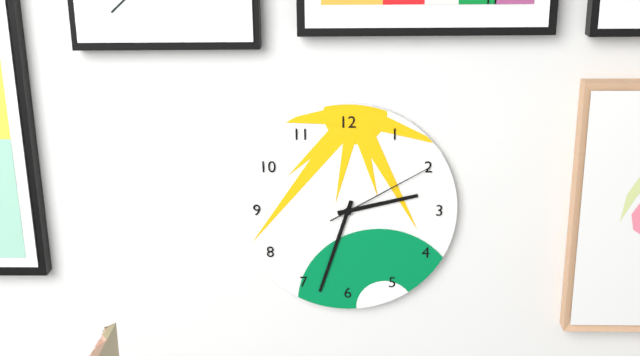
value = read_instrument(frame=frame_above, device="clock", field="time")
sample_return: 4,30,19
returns 2,33,10
